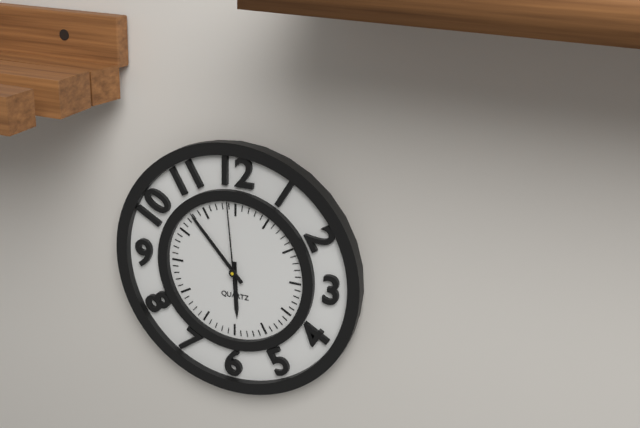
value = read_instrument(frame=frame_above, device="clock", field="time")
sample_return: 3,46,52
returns 5,53,59
